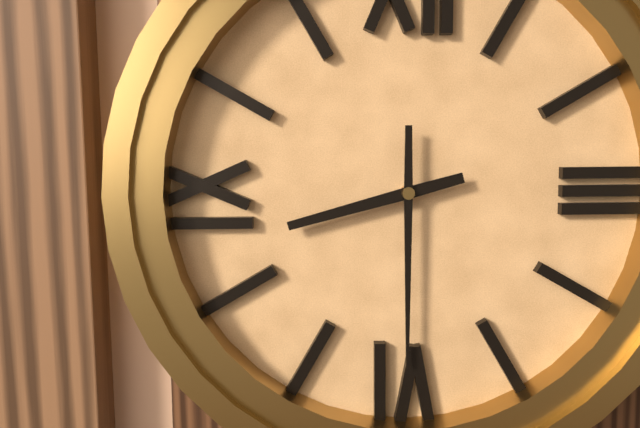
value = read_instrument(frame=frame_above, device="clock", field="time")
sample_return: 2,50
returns 8,30
